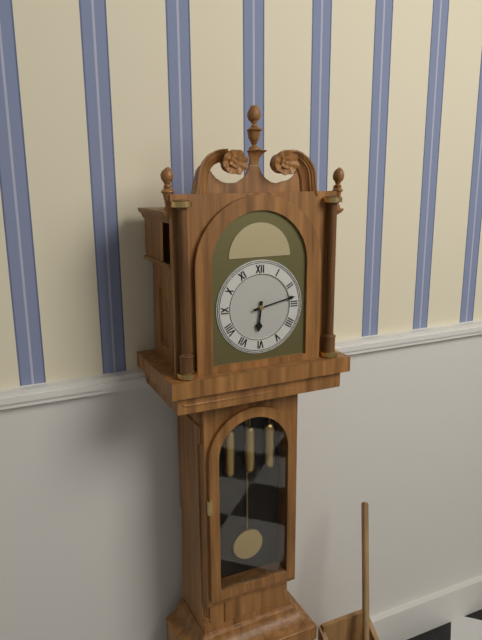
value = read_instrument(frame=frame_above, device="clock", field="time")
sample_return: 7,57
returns 6,13
